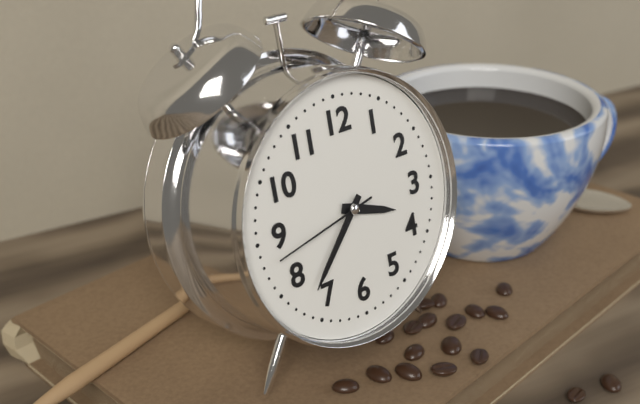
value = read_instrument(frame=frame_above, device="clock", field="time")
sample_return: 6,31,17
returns 3,37,43
